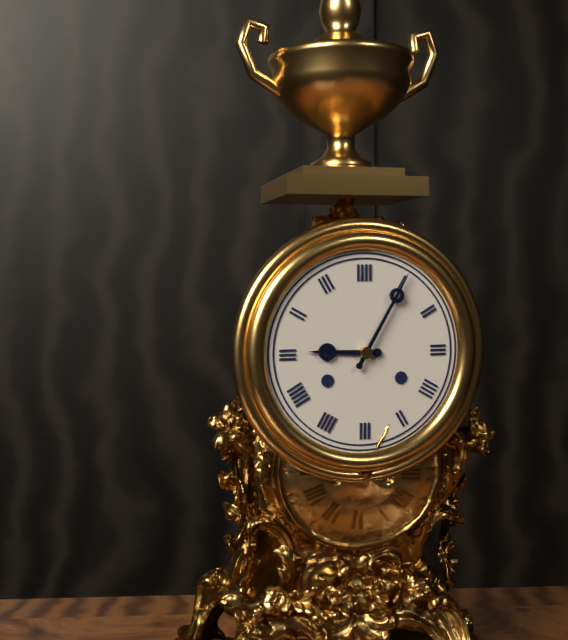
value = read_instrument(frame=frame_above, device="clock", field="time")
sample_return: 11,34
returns 9,05
